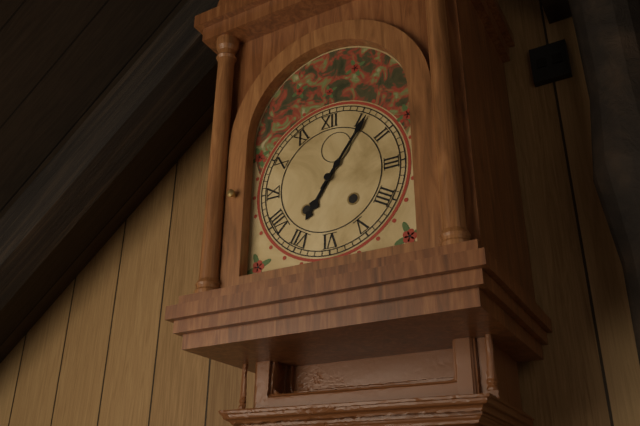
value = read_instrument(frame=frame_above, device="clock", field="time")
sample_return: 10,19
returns 7,06
